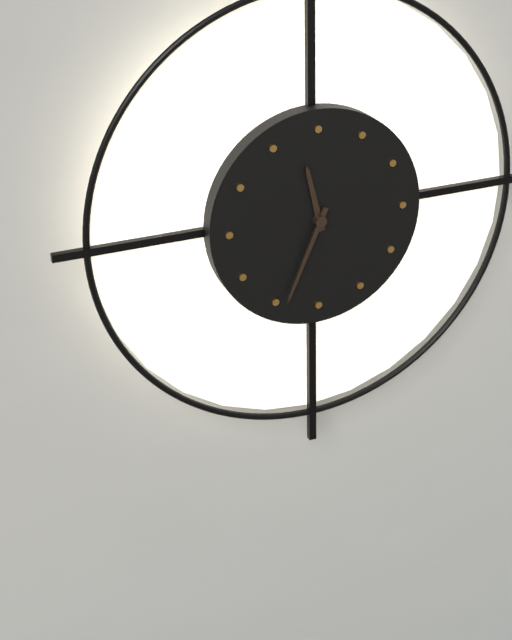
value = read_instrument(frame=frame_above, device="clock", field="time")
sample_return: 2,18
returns 11,34
